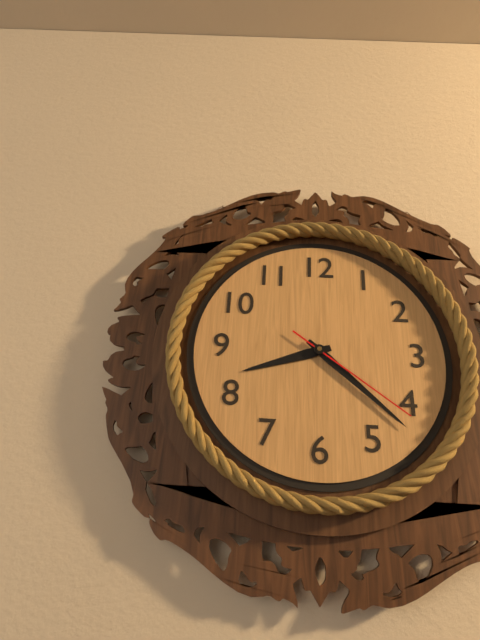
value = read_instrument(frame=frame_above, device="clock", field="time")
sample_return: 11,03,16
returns 8,22,21
